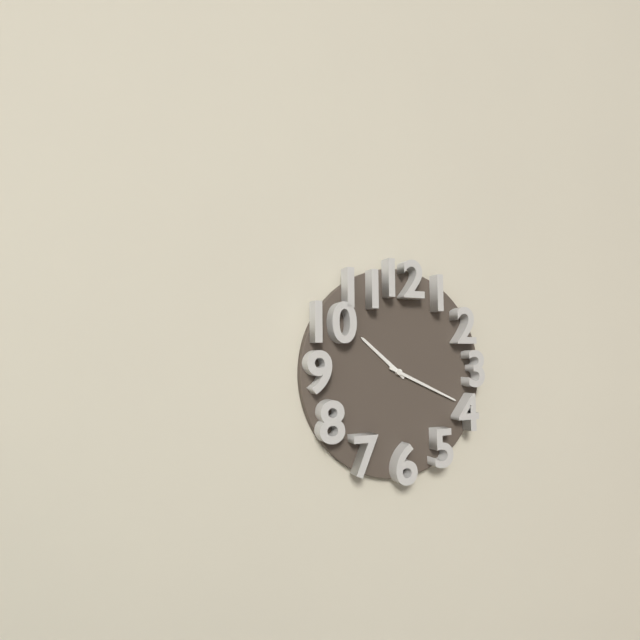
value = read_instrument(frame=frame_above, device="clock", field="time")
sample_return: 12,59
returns 10,19
